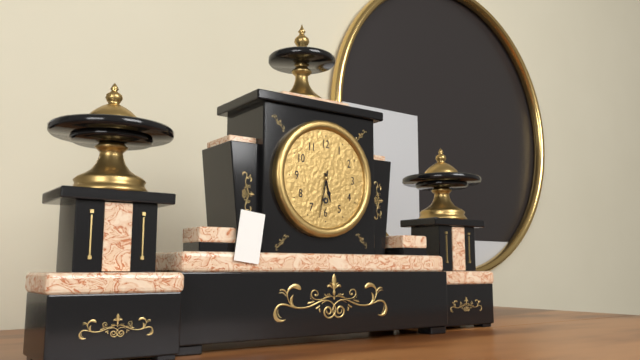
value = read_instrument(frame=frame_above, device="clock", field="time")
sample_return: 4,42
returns 5,32
